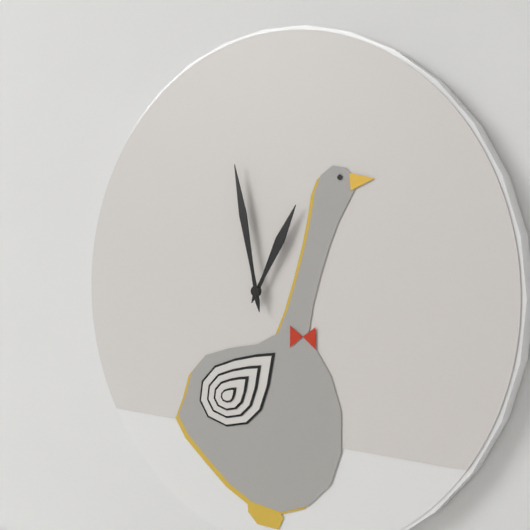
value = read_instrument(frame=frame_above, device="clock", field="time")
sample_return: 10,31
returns 12,58
